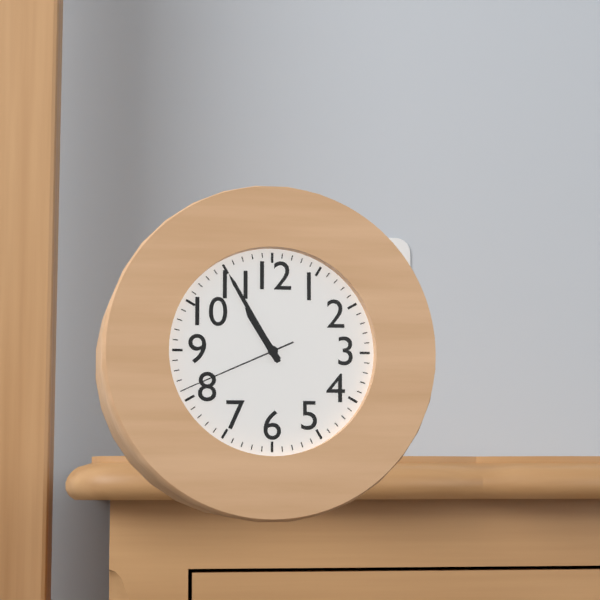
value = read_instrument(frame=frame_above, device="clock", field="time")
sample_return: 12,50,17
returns 10,55,41
